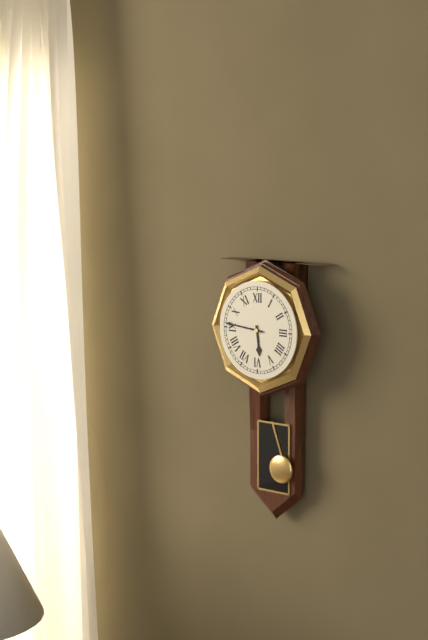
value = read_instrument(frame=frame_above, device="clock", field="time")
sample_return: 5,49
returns 5,46
